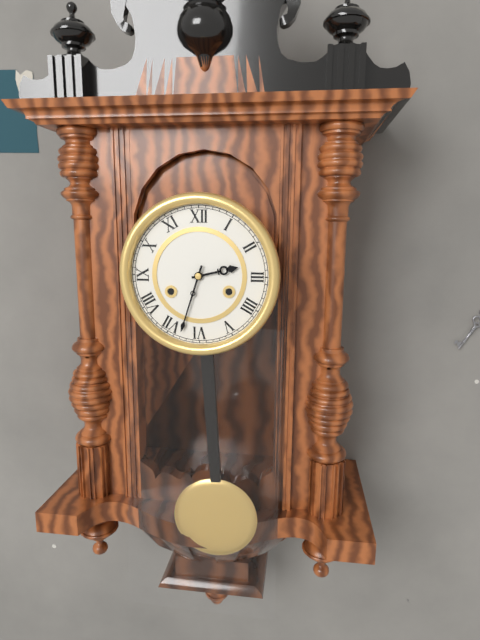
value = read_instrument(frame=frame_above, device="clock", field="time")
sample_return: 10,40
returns 2,33
